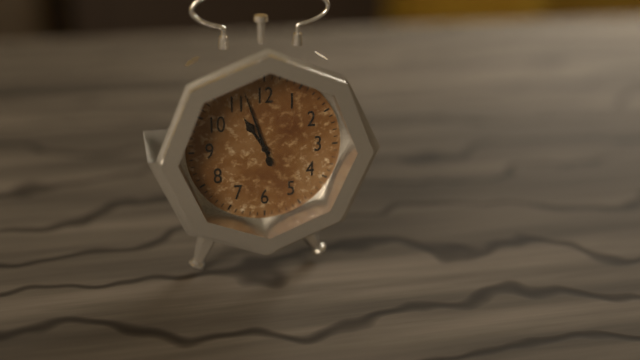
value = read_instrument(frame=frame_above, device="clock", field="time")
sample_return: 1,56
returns 10,57
